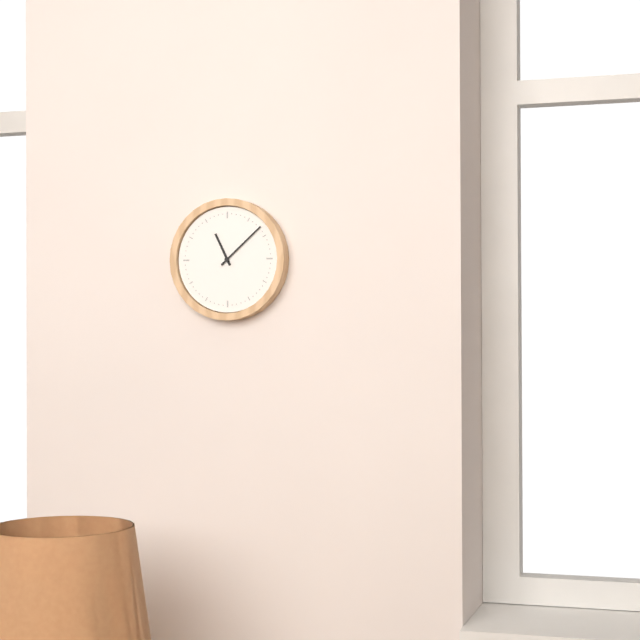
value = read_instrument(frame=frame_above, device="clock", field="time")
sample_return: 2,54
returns 11,08
